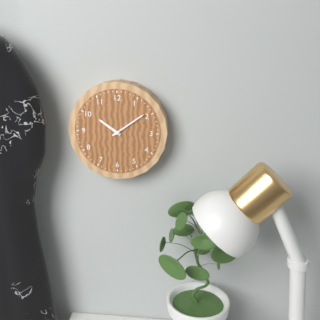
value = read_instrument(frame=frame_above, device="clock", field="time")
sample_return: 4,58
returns 10,09
